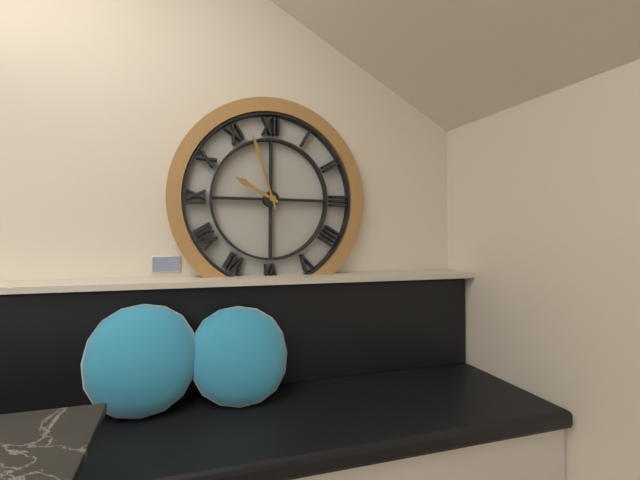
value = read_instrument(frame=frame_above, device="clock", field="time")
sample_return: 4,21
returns 9,57
